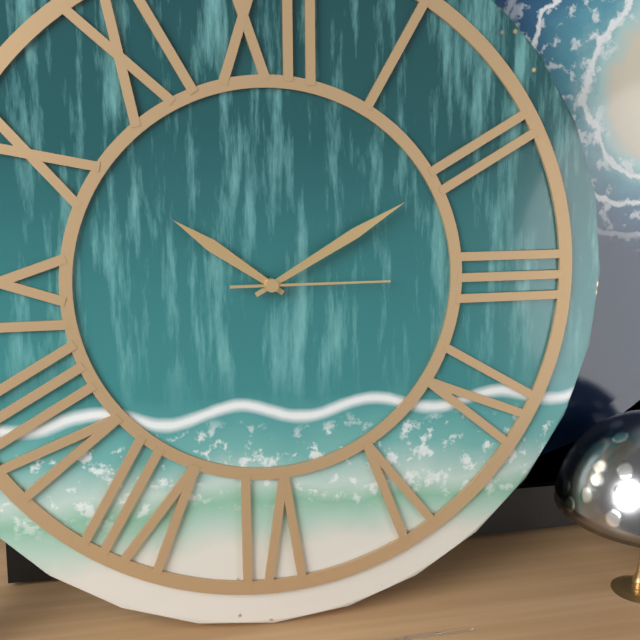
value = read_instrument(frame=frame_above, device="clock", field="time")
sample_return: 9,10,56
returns 10,10,15
